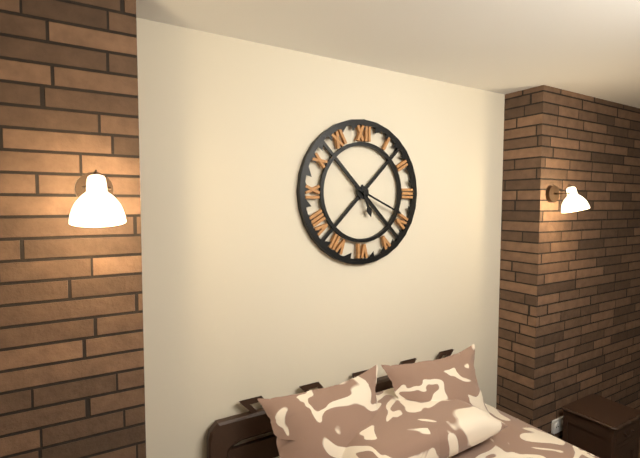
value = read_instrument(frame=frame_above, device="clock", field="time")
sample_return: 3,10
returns 5,19
